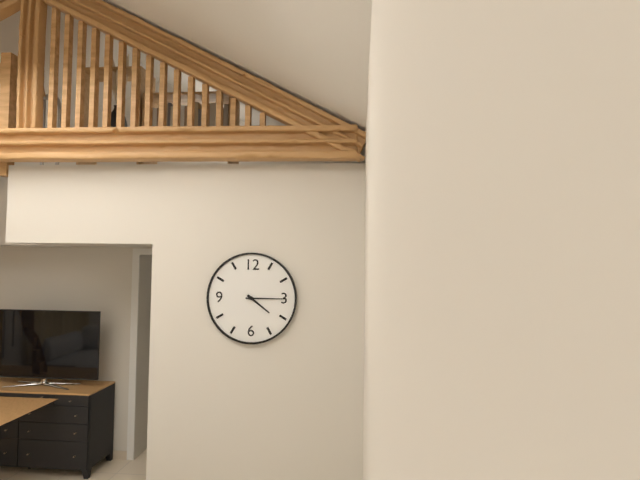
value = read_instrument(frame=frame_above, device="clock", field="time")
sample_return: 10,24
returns 4,15
